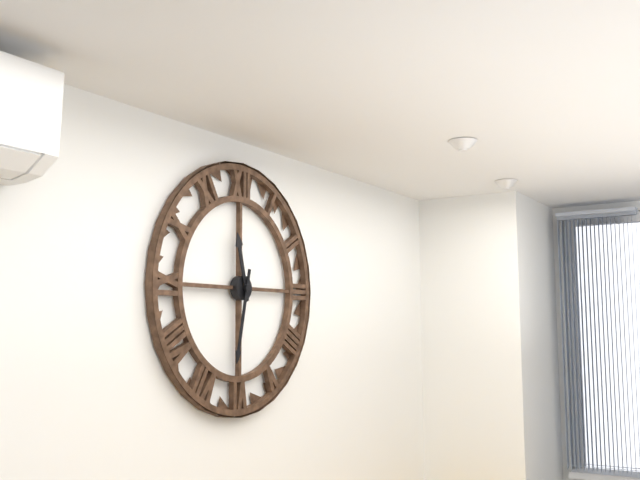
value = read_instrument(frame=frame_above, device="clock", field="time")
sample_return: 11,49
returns 11,32
